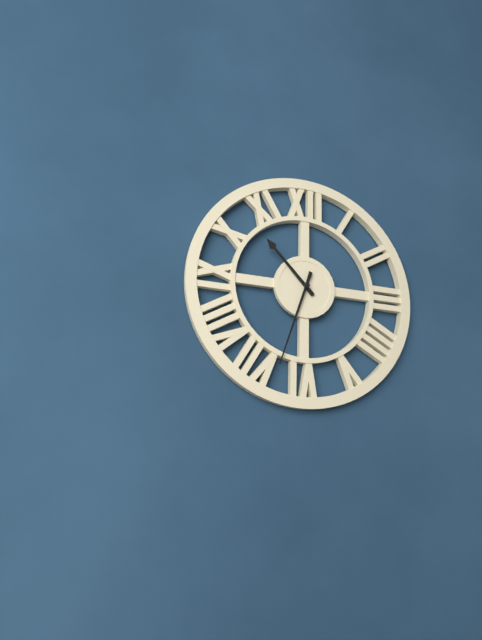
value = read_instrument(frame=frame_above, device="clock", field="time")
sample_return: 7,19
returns 10,33
